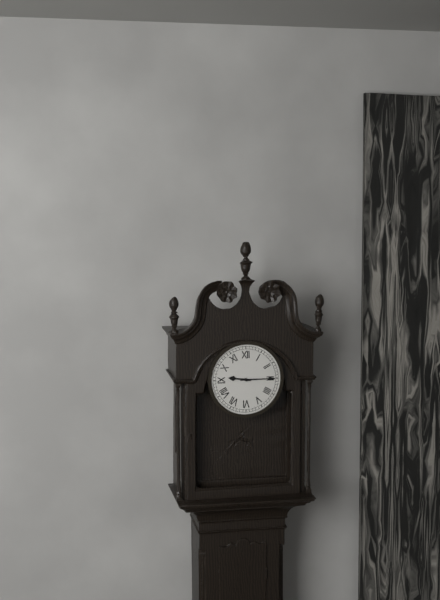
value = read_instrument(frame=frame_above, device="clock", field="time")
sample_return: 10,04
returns 9,15
